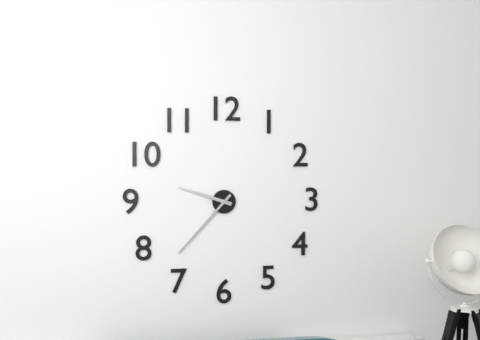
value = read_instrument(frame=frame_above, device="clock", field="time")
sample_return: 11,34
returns 9,37
